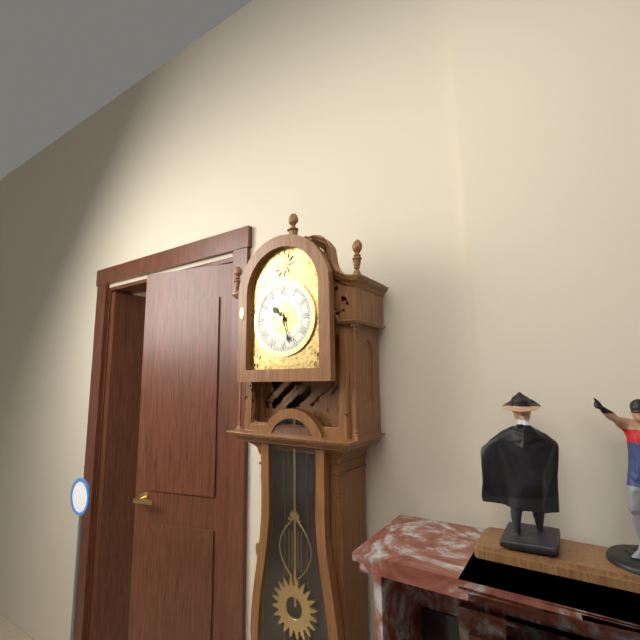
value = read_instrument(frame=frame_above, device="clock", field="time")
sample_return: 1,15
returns 10,27
